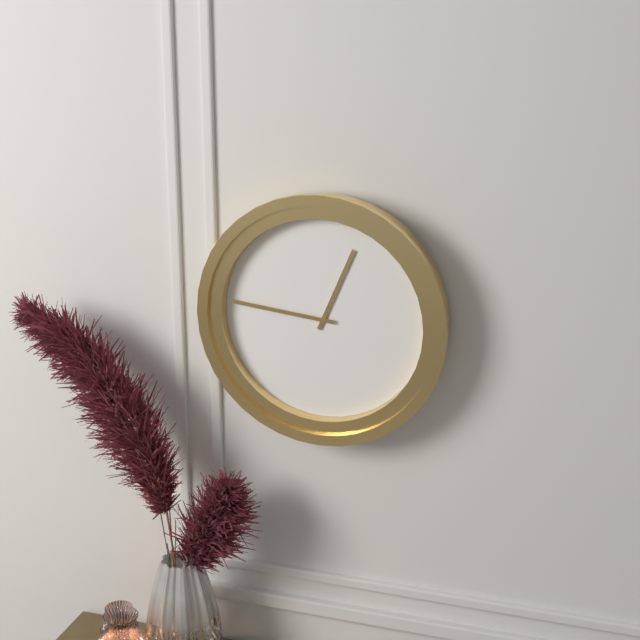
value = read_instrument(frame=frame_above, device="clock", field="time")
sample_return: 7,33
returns 12,46
